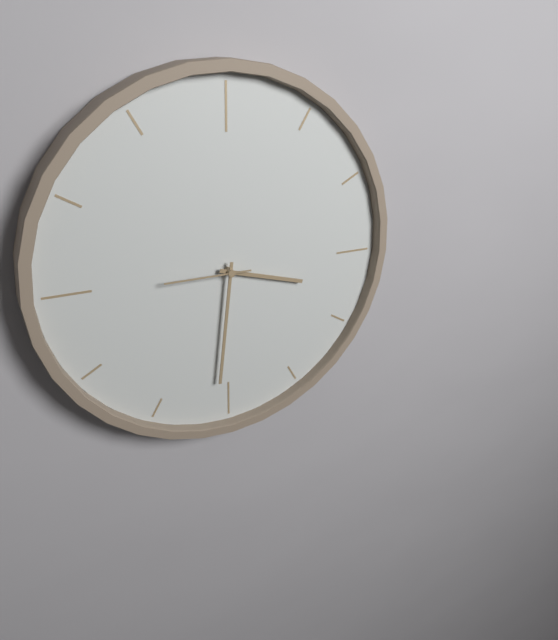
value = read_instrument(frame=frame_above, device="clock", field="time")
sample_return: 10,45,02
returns 3,31,45
